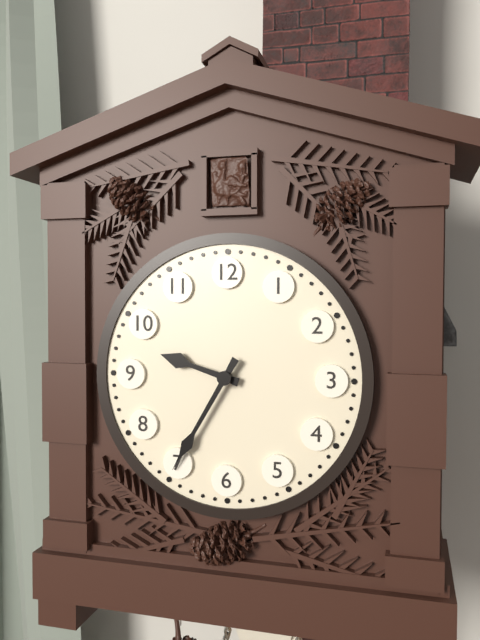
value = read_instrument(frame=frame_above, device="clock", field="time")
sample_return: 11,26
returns 9,35
